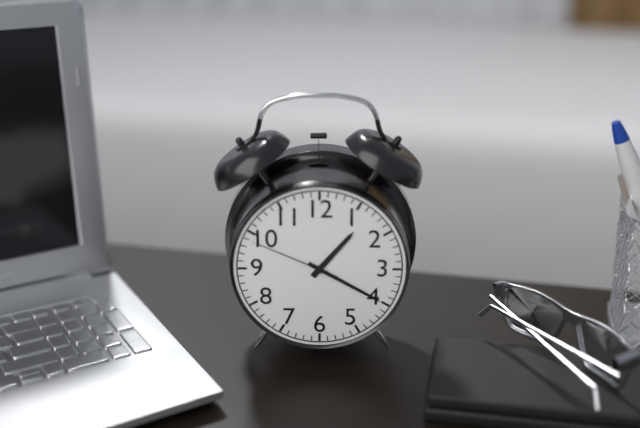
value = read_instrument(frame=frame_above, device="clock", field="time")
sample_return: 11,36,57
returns 1,20,49
